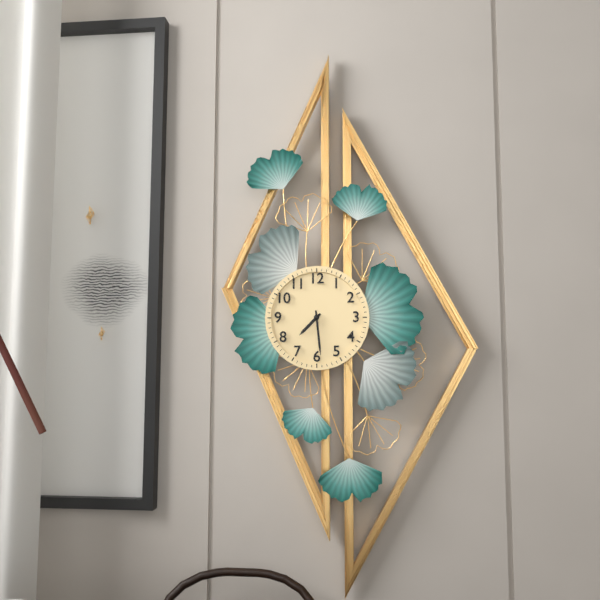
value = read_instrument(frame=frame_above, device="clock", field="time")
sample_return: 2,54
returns 7,29
